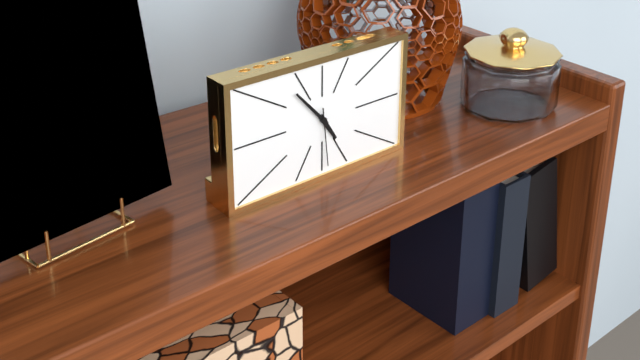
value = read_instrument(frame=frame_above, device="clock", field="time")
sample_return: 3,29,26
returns 4,53,29
